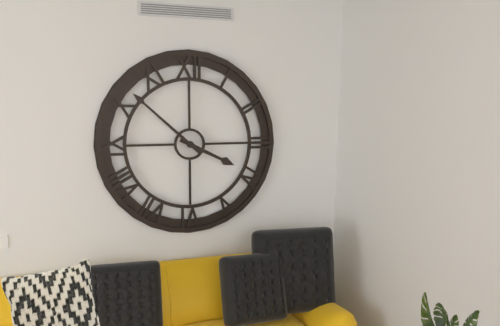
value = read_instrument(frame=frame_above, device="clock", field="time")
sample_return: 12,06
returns 3,52
